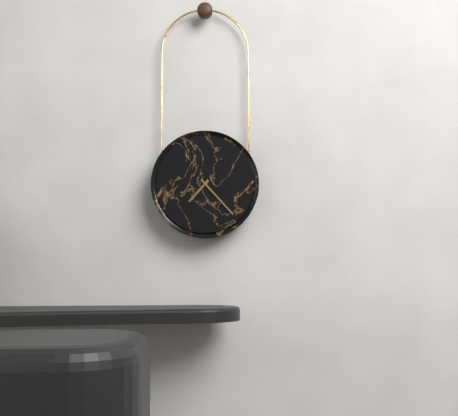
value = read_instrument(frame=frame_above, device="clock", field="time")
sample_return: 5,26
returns 7,23
